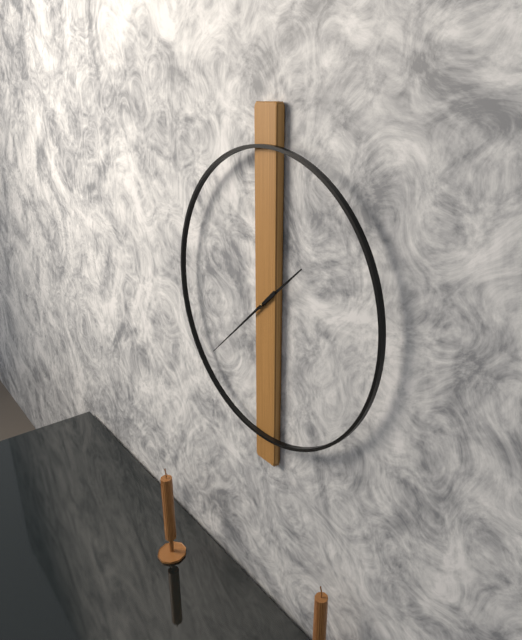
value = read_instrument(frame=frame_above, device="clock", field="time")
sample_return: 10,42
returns 1,38
